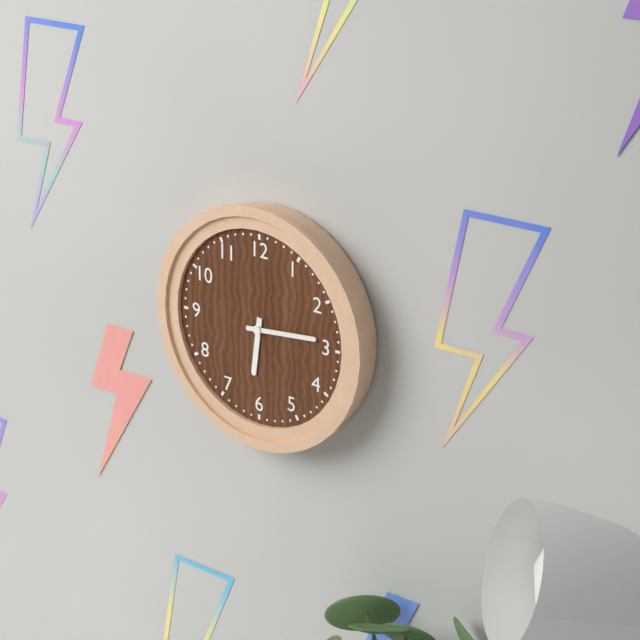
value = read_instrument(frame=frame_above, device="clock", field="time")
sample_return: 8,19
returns 6,14
